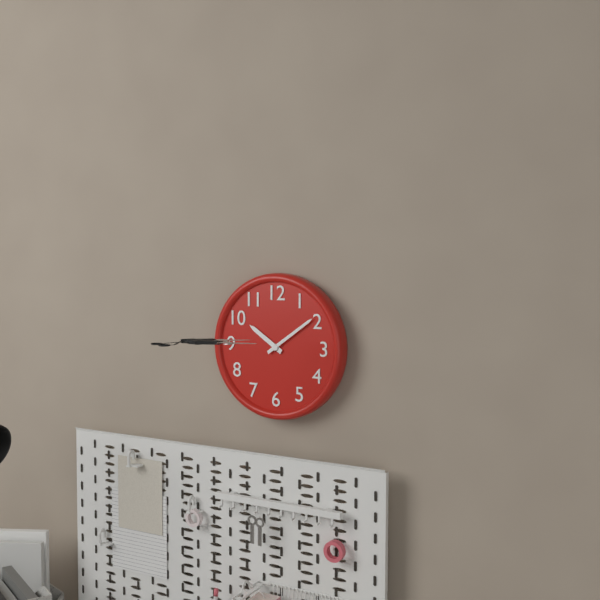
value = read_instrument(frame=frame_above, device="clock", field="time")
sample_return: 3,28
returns 10,09
